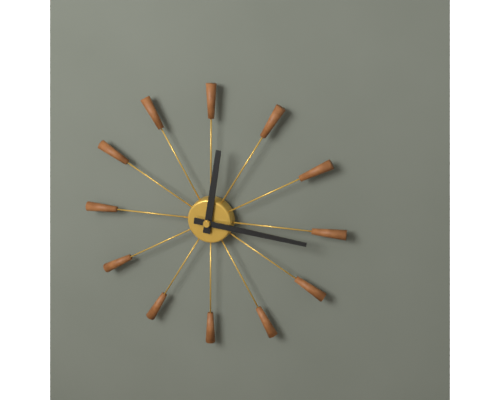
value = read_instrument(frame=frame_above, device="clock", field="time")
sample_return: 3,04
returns 12,16
